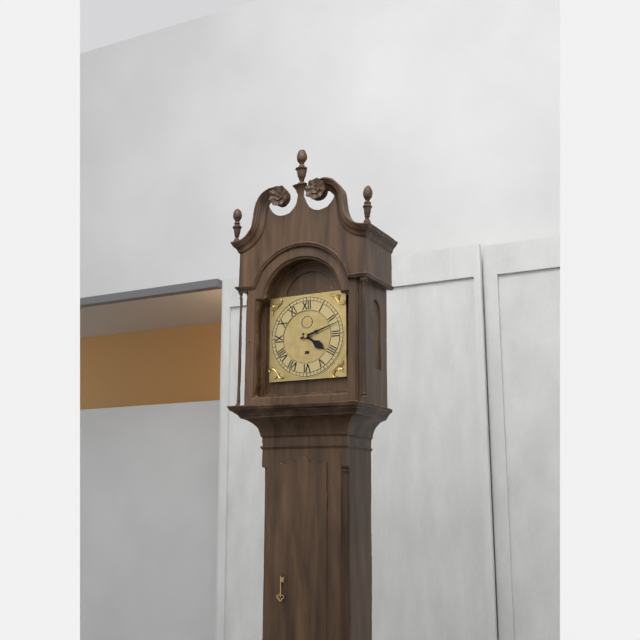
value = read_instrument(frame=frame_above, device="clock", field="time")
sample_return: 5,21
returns 4,12
